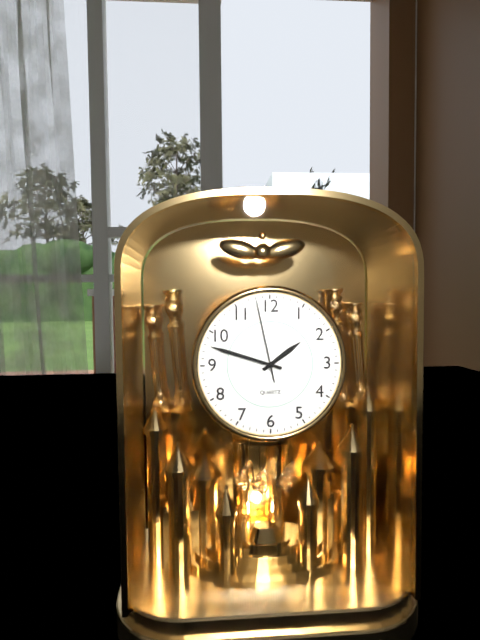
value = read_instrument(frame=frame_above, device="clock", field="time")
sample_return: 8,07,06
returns 1,48,58
